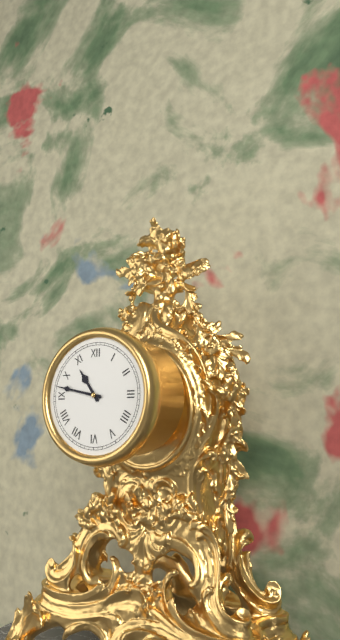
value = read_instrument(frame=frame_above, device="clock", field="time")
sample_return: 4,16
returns 10,47
